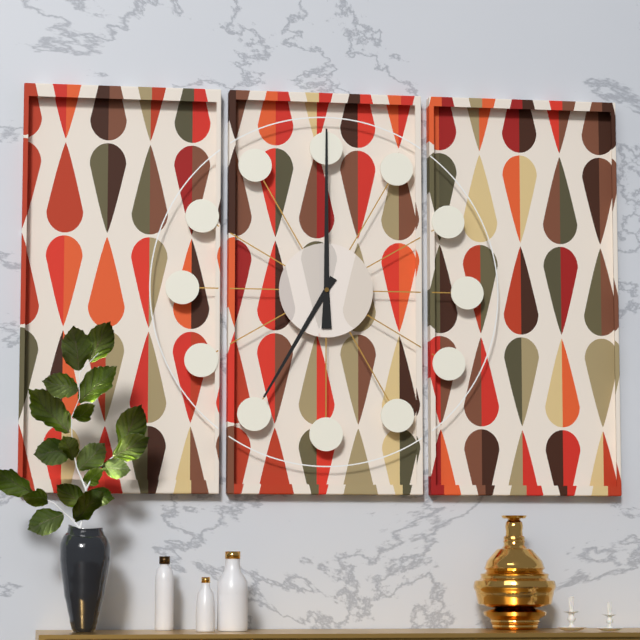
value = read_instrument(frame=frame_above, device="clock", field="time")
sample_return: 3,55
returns 7,00
